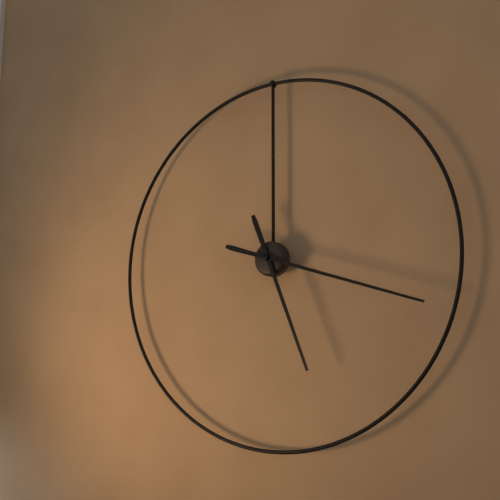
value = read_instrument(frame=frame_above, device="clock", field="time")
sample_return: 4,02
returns 5,18
